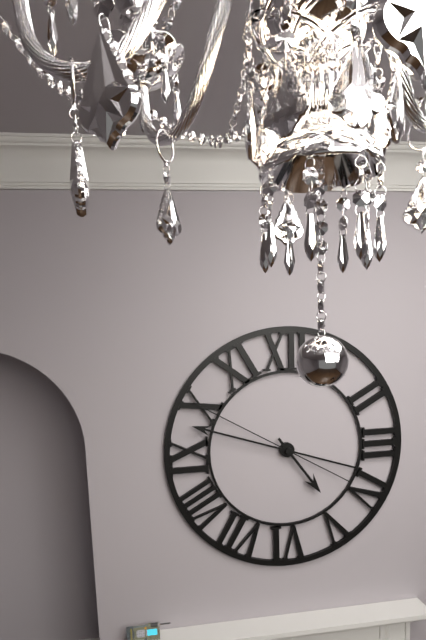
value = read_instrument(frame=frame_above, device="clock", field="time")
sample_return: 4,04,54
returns 4,48,50
